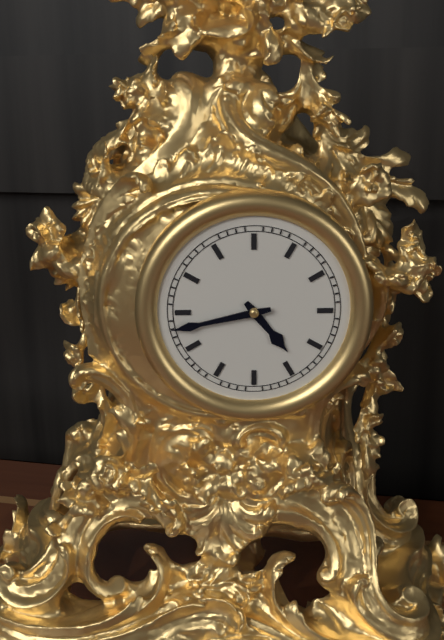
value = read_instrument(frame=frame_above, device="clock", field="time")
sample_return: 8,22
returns 4,43
